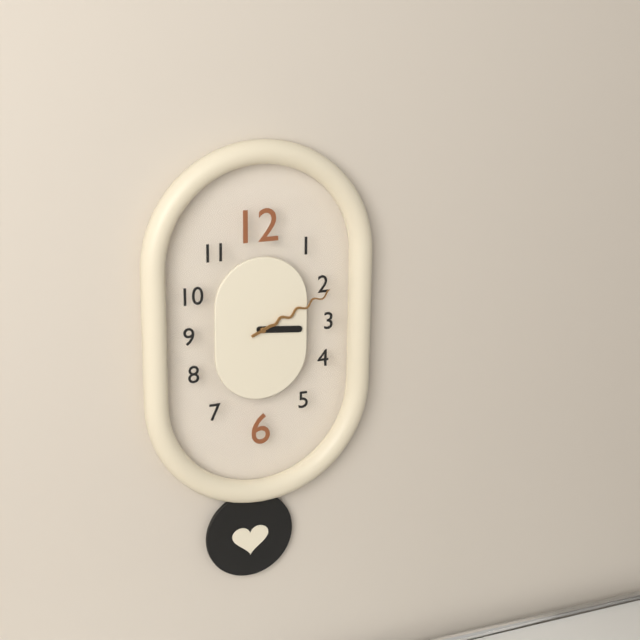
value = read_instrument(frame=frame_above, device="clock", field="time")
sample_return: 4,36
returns 3,11
